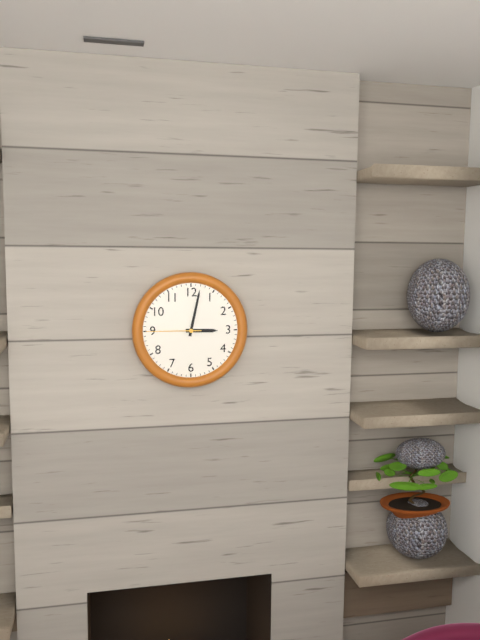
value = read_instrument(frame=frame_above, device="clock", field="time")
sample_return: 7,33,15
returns 3,02,45
